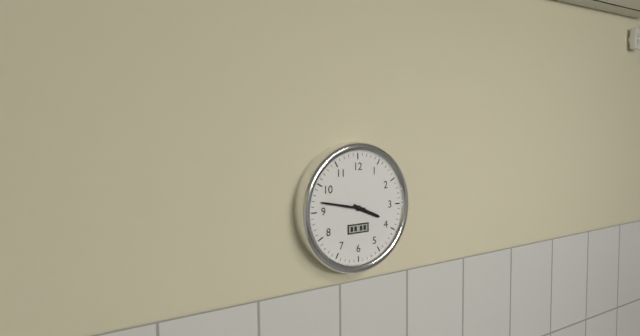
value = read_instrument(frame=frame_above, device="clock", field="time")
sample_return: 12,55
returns 3,47
